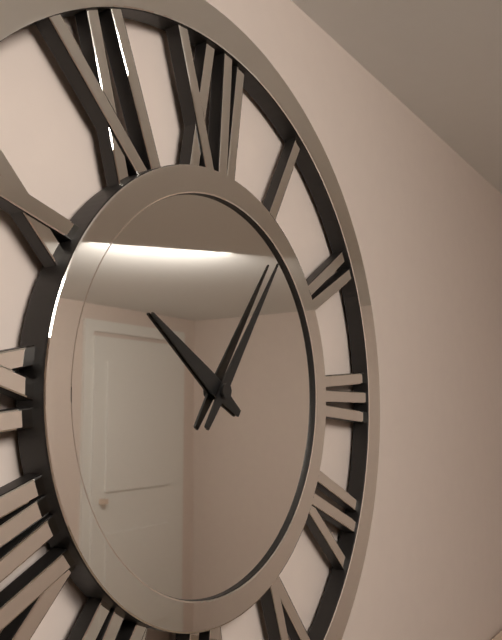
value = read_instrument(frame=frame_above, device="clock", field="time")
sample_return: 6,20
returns 10,06
